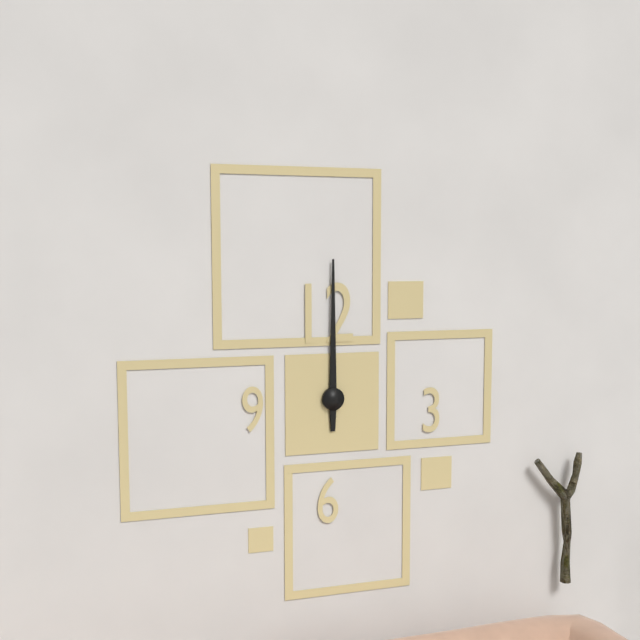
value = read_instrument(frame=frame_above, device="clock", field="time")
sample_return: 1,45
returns 12,00
